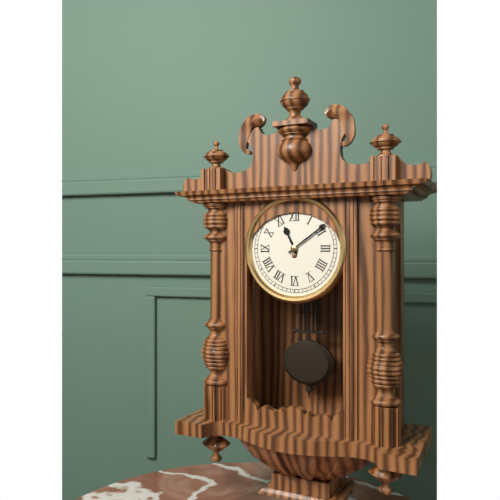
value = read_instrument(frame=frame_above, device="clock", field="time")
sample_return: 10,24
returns 11,09
